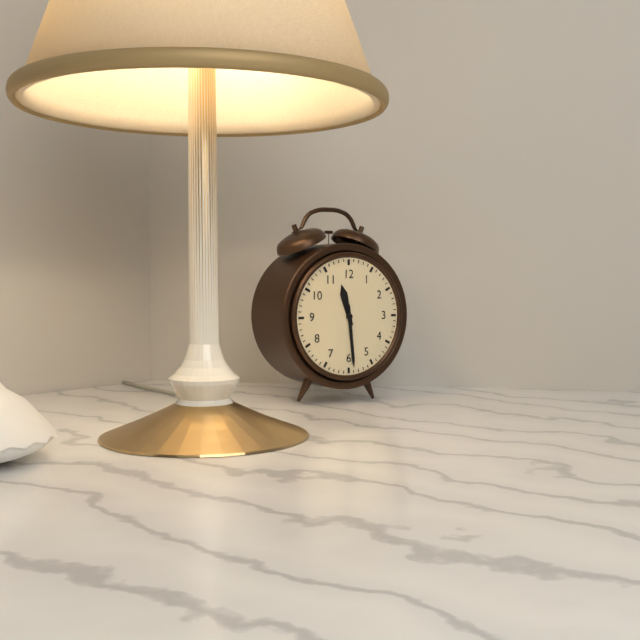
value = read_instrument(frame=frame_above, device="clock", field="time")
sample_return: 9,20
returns 11,29
